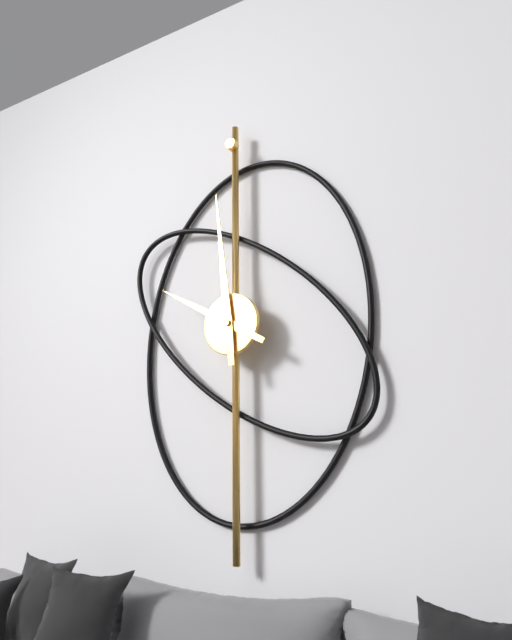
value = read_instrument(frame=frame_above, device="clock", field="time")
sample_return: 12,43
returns 9,59
